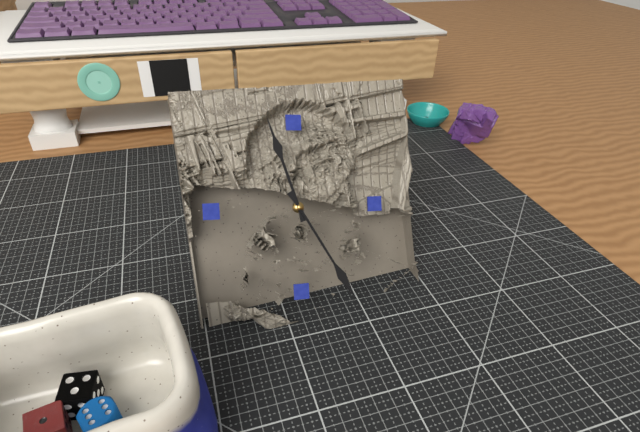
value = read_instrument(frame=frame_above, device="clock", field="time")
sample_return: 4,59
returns 11,25
